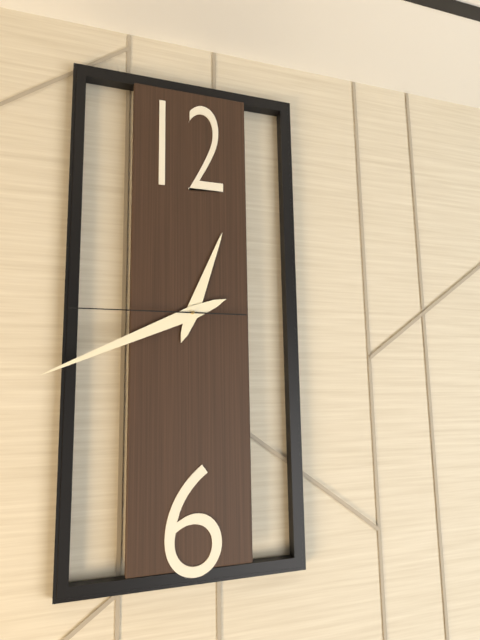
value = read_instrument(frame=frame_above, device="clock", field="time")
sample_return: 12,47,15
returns 12,41,45
